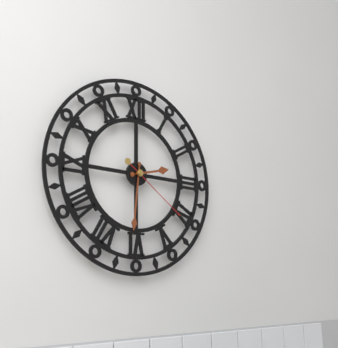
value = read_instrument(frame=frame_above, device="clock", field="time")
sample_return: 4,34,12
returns 2,31,21
